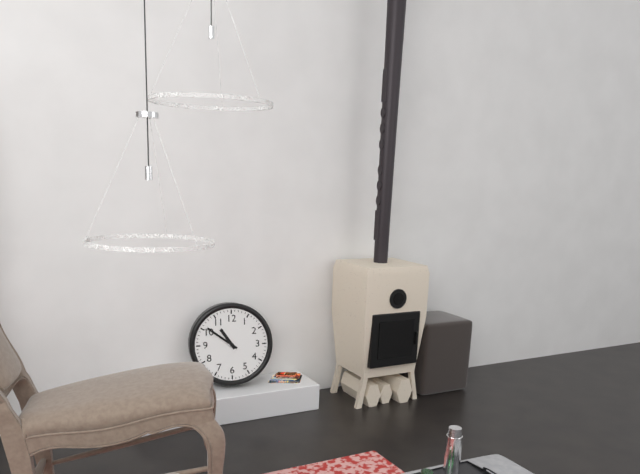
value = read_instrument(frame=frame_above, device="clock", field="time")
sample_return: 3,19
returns 10,51
